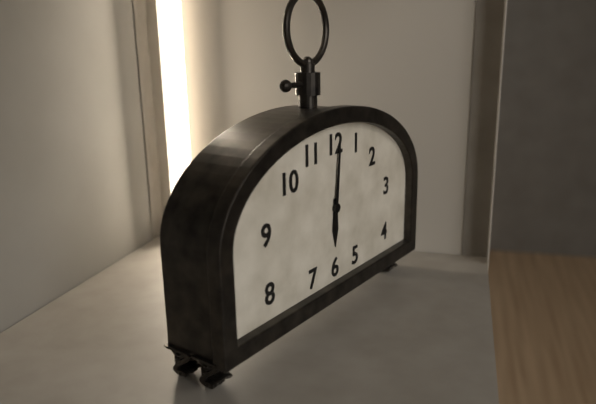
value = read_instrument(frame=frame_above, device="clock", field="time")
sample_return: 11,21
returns 6,01
